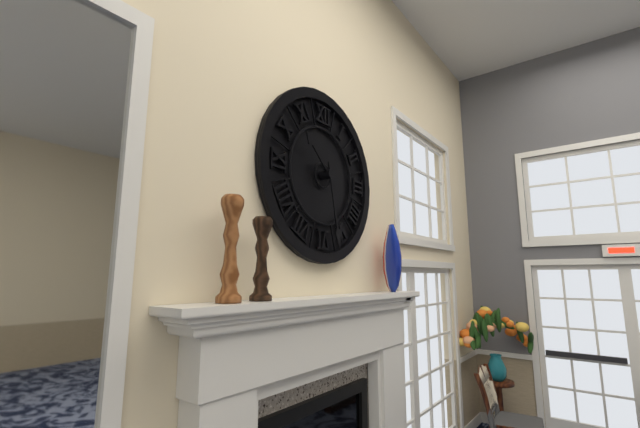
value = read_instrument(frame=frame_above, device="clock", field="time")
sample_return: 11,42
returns 10,28
